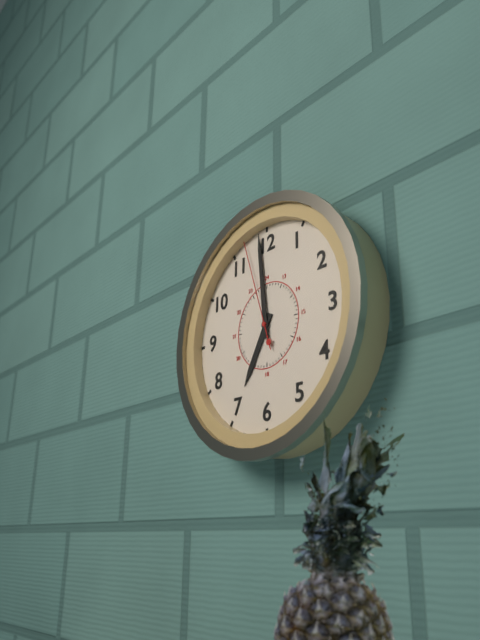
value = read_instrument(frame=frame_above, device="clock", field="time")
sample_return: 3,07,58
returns 6,59,57
